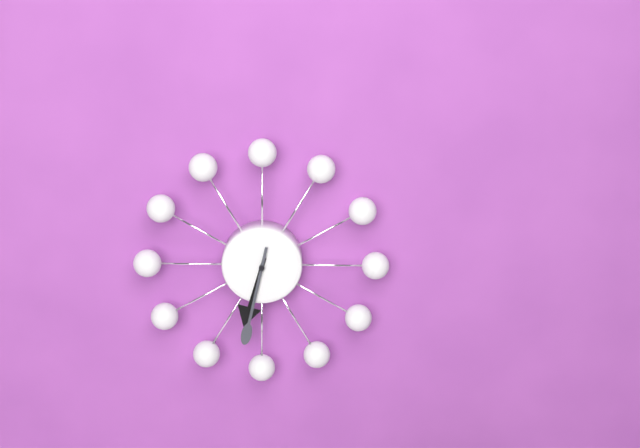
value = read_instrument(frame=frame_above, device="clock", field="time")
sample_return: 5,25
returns 6,32
